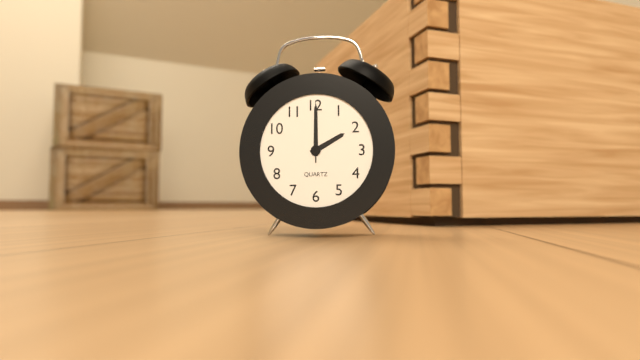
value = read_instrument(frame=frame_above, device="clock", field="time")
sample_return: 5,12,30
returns 2,00,00
